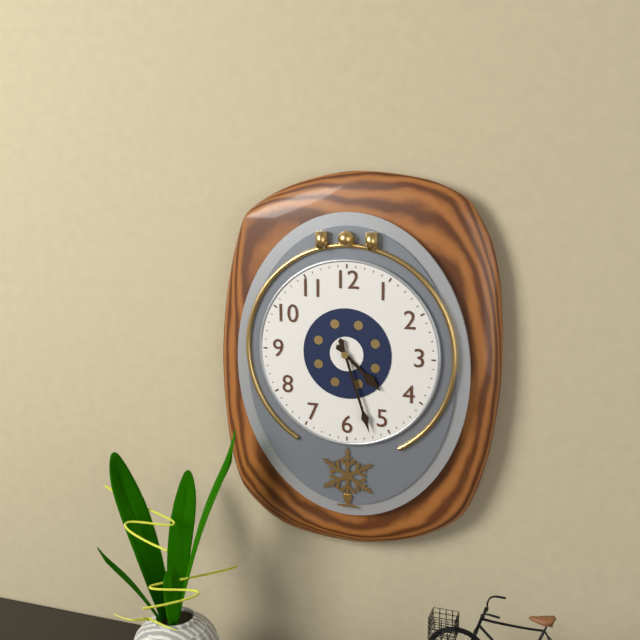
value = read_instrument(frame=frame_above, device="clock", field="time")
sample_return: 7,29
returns 4,27
